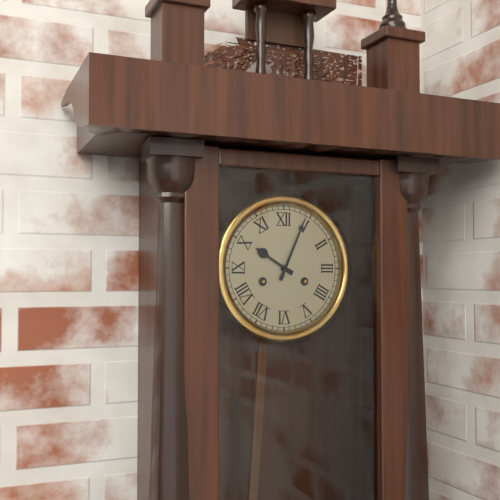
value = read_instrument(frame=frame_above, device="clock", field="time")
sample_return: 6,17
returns 10,04
